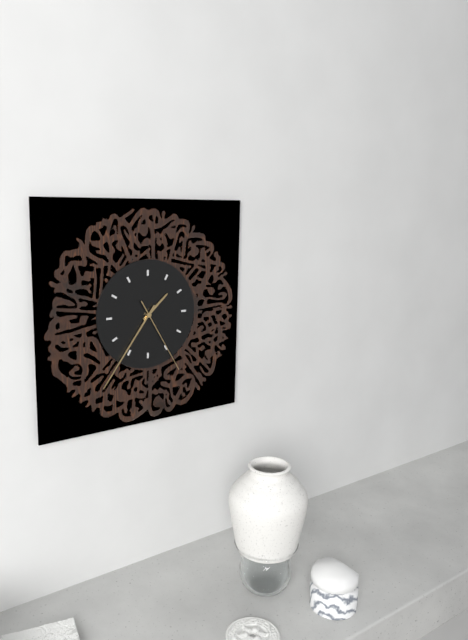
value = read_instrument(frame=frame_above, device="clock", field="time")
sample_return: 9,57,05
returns 1,36,25
